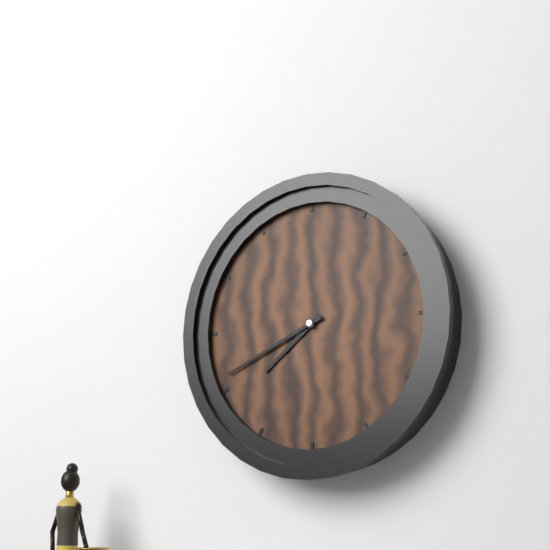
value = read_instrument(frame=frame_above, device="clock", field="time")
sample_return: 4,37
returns 7,41
